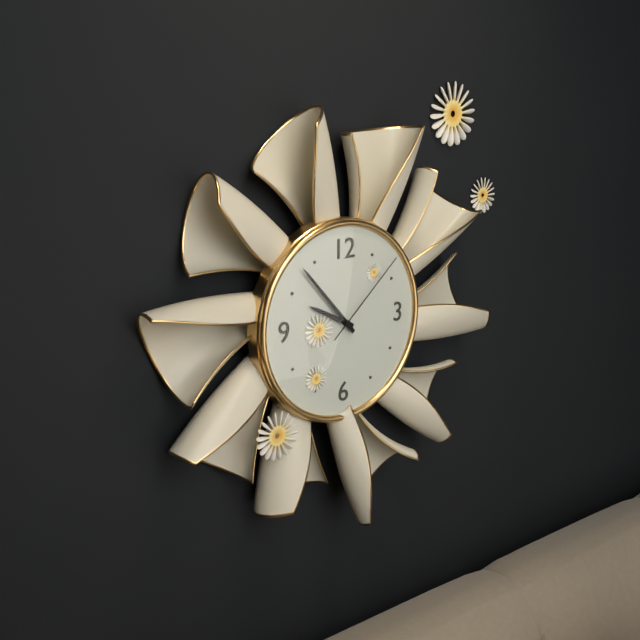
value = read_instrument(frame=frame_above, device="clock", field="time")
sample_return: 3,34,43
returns 9,53,08
